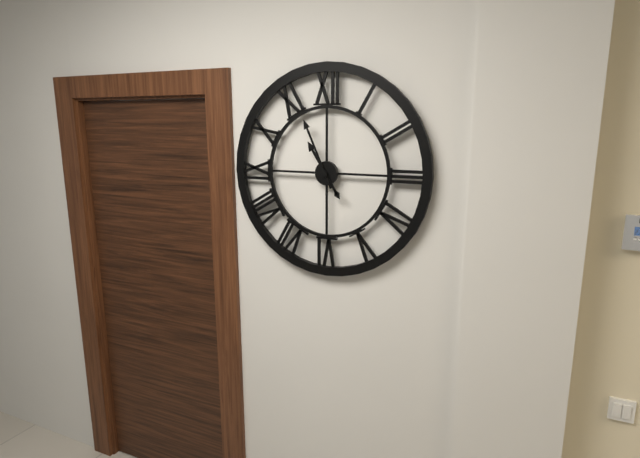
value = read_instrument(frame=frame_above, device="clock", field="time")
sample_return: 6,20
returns 10,56
